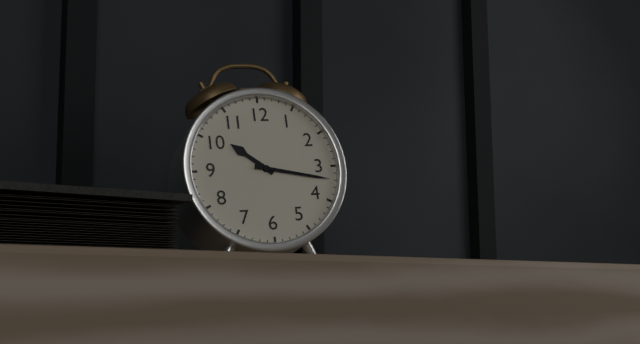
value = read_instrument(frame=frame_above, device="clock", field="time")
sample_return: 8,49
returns 10,17
